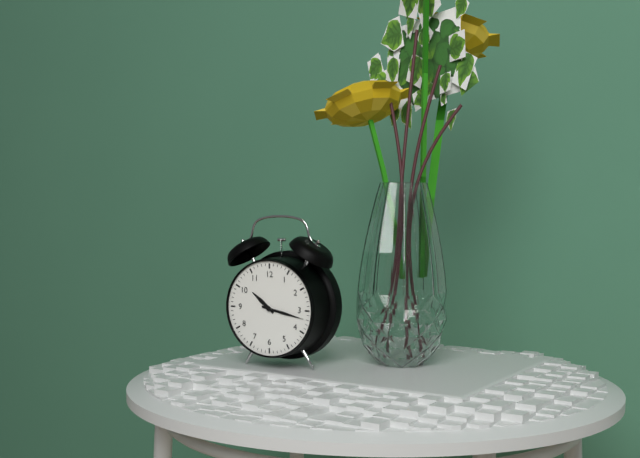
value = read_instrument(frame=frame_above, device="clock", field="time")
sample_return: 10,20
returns 10,17
